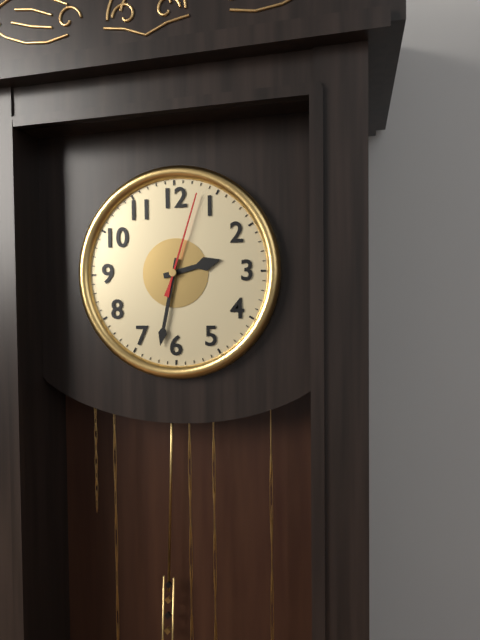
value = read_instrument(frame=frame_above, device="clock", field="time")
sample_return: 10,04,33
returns 2,32,03
